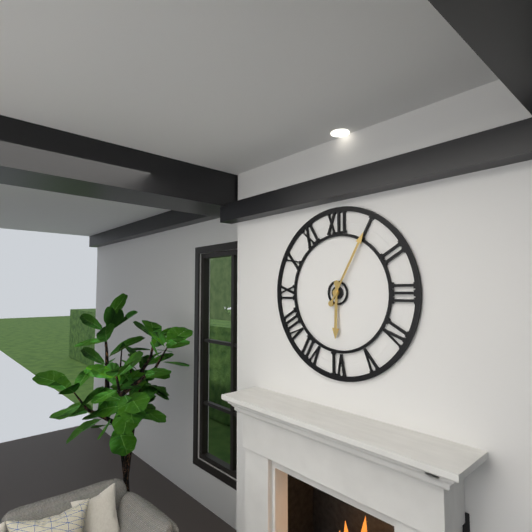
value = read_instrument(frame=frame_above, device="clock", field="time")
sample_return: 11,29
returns 6,05
